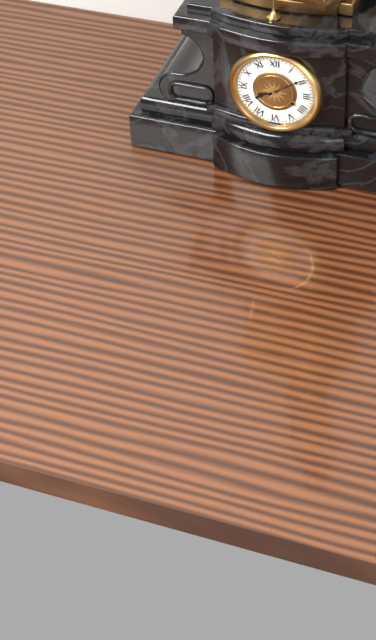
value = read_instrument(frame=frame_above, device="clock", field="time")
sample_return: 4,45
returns 8,09
